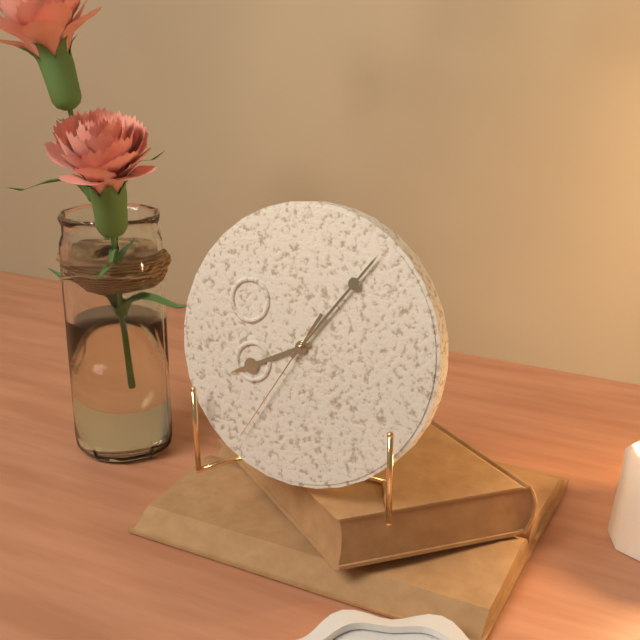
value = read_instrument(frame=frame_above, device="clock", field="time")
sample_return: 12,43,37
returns 8,06,35
